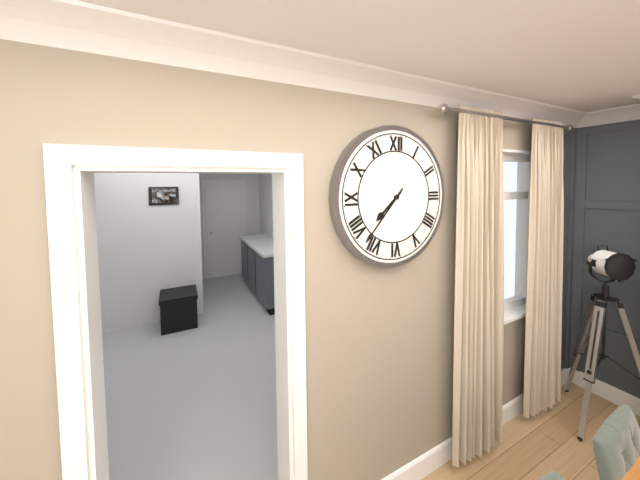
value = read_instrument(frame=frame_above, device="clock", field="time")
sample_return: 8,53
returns 7,37
